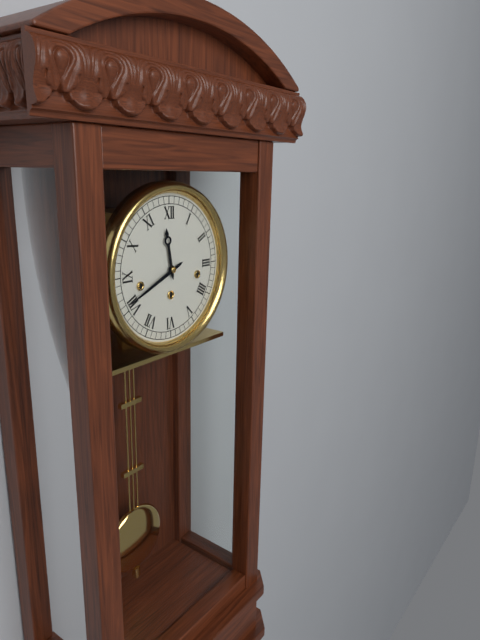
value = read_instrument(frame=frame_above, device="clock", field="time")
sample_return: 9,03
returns 11,41
